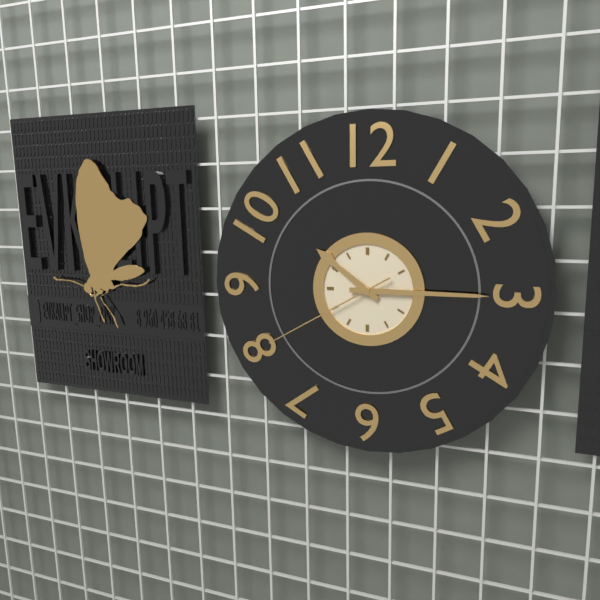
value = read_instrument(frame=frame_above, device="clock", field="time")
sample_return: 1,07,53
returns 10,15,40
